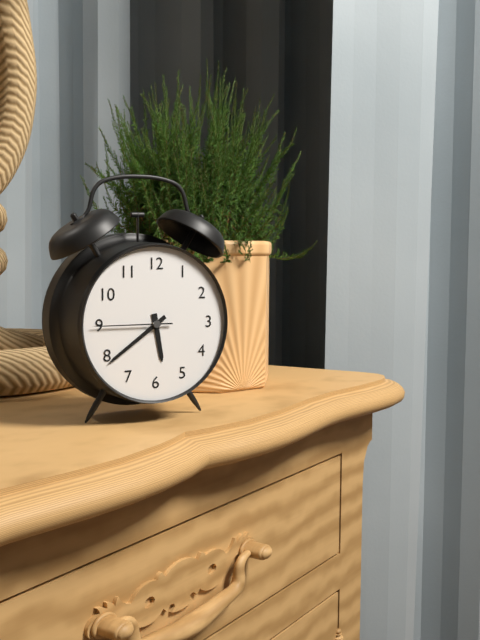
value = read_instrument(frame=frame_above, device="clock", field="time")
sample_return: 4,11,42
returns 5,39,45
